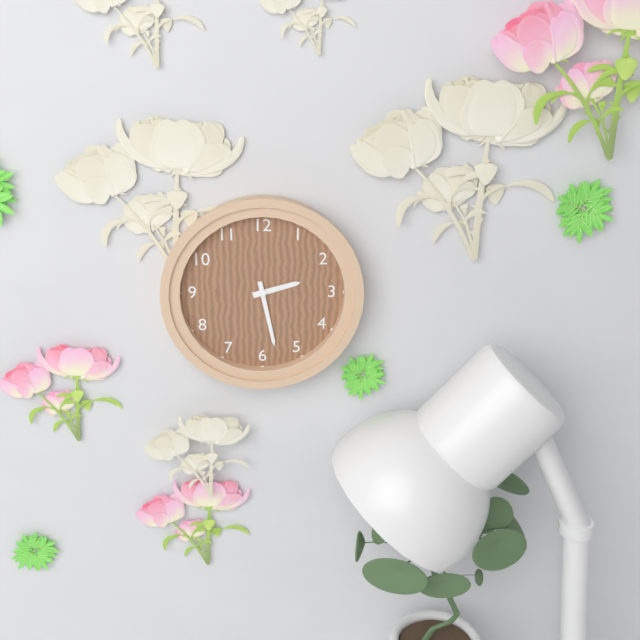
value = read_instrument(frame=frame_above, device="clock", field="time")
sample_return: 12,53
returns 2,28
